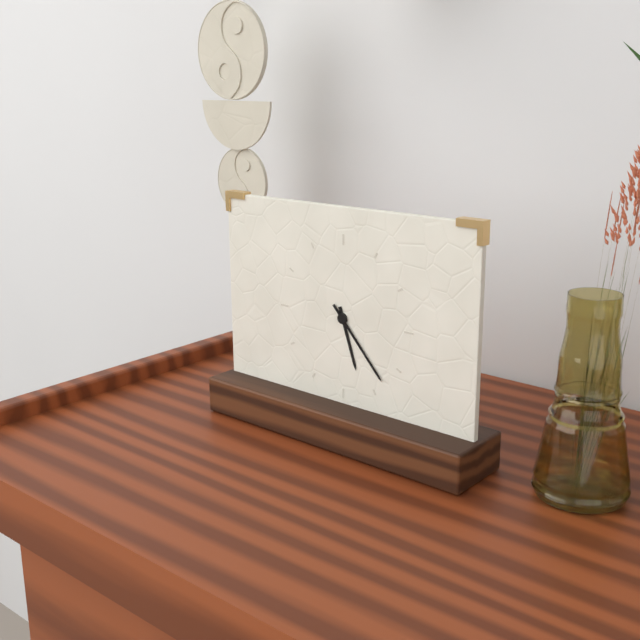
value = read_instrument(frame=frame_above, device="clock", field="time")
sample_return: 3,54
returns 5,23
